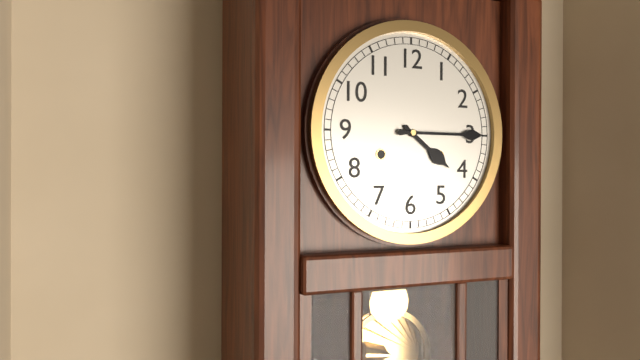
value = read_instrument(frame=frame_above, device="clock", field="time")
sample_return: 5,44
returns 4,15
